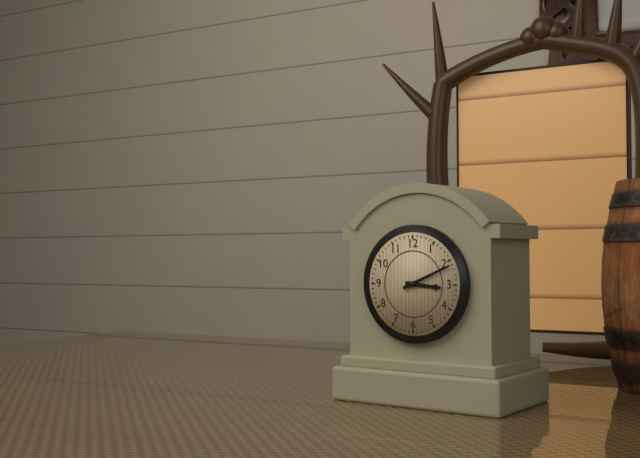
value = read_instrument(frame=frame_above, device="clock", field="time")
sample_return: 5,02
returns 3,11
